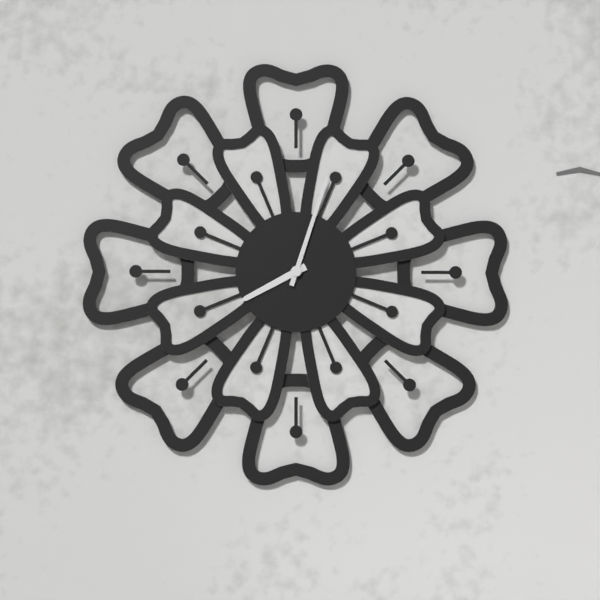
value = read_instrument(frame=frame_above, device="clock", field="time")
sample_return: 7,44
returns 8,03
